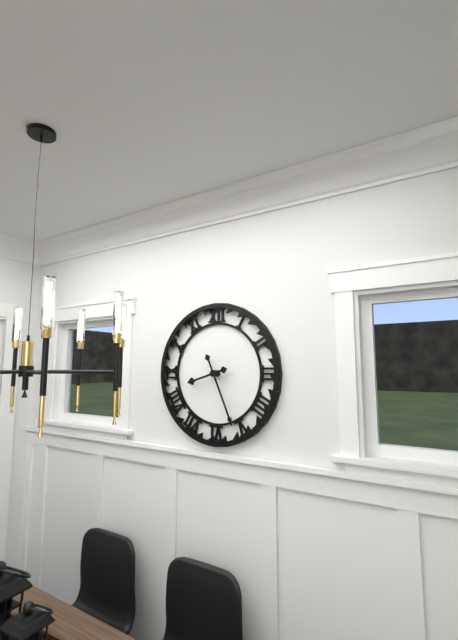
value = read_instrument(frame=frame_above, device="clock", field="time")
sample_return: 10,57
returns 8,26
